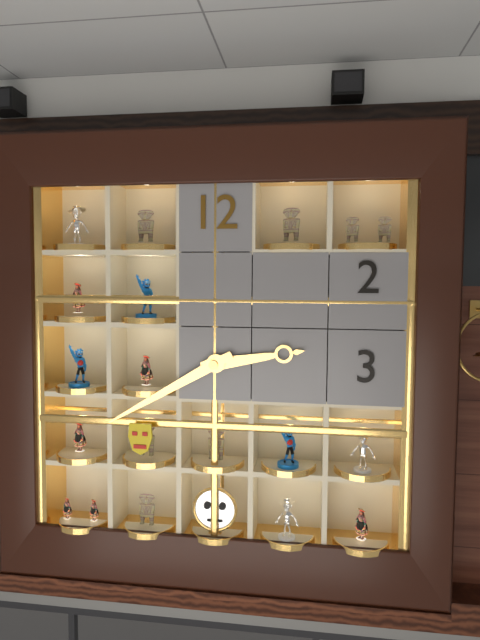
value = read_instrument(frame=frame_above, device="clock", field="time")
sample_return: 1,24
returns 2,40
